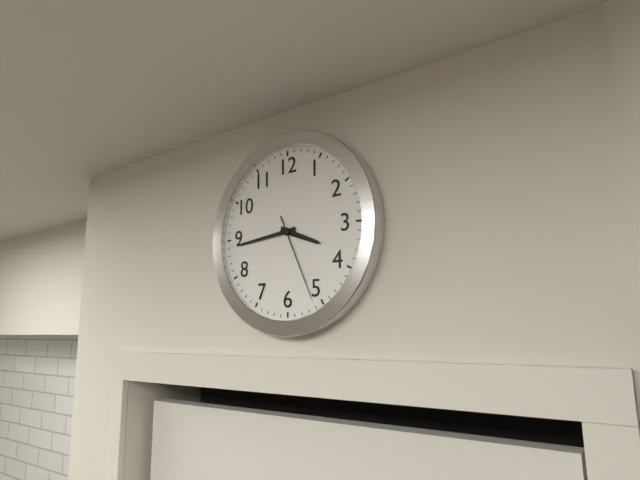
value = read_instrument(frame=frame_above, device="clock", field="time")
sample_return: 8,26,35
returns 3,44,26
